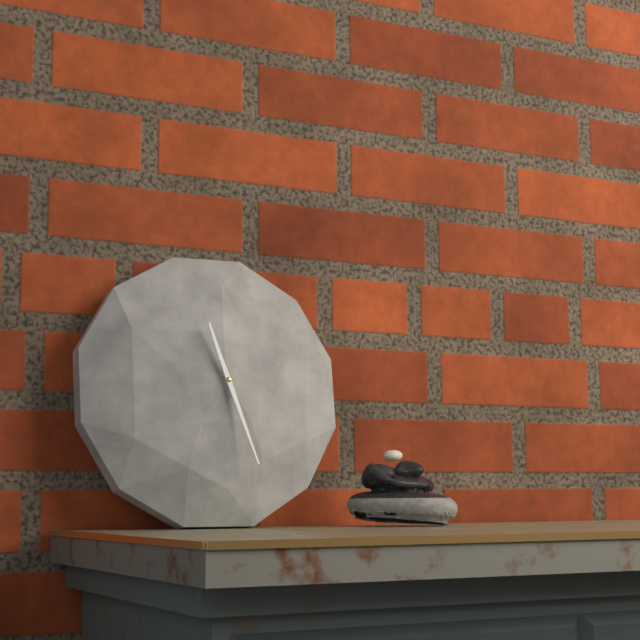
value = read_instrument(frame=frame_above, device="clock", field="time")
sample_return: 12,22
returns 11,27
